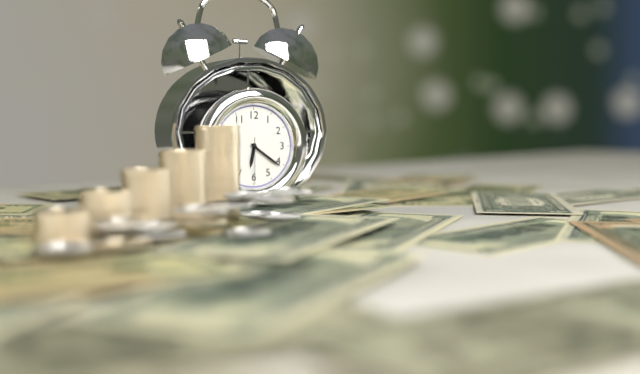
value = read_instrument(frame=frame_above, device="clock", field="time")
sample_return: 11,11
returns 6,21
